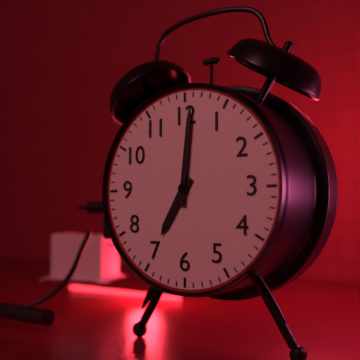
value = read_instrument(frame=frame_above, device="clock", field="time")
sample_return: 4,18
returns 7,01
